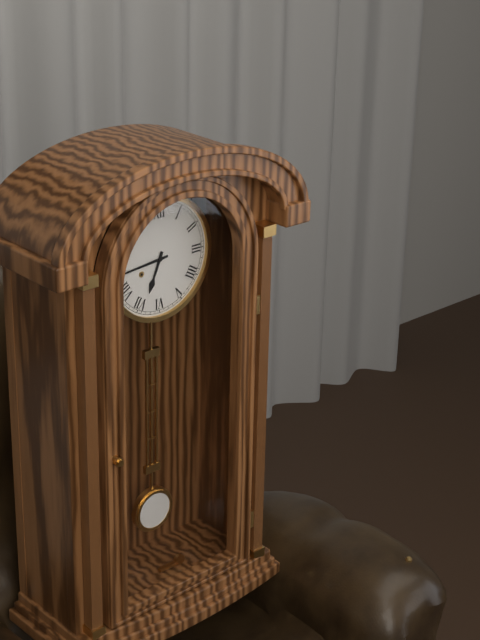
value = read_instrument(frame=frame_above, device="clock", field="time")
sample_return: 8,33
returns 6,44
